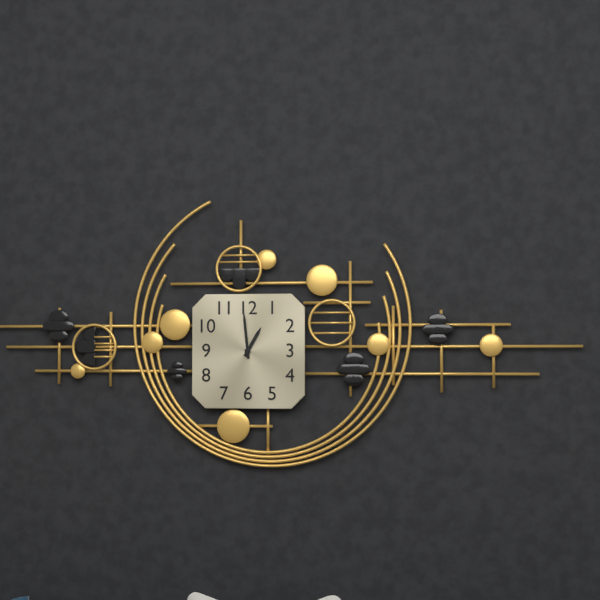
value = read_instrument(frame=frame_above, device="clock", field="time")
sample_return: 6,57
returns 12,59
